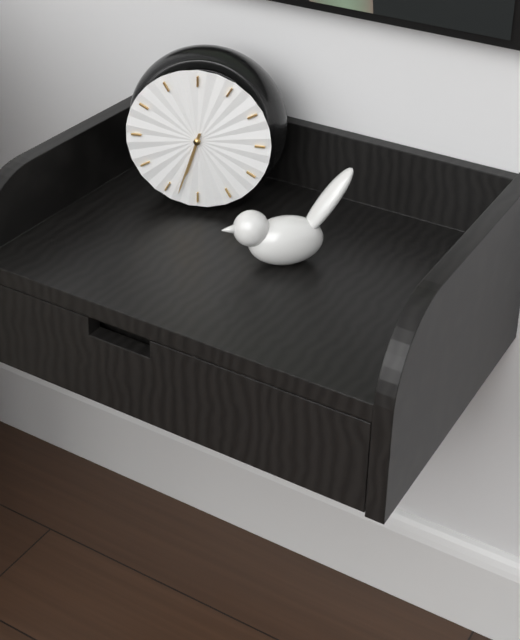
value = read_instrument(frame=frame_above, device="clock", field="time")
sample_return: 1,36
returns 6,33
